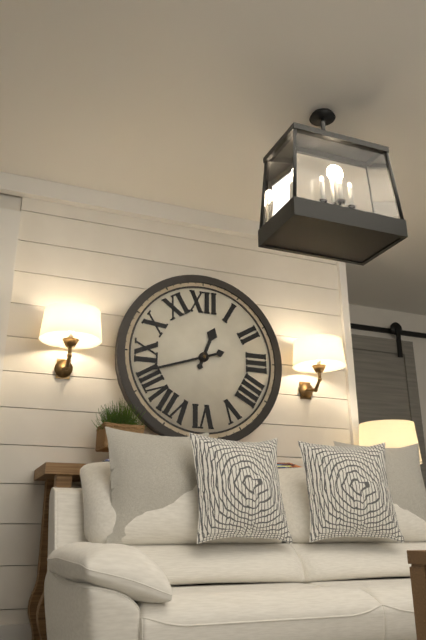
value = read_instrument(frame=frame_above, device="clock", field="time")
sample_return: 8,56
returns 12,42
